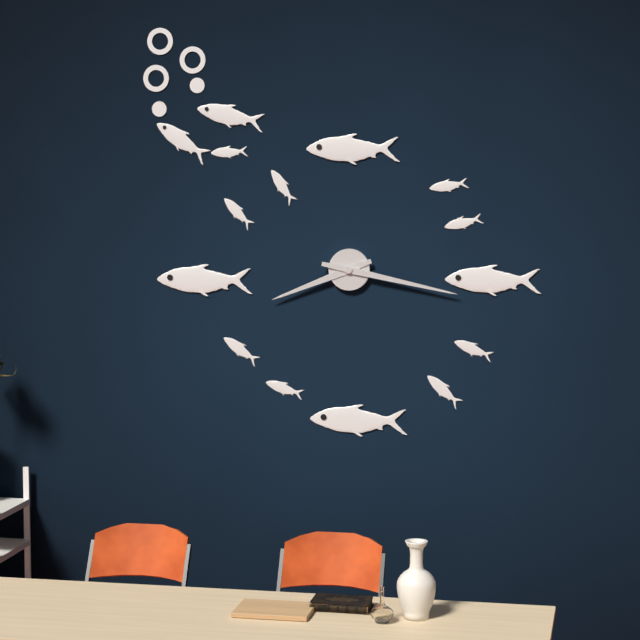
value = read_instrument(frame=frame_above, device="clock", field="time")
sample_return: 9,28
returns 8,17
